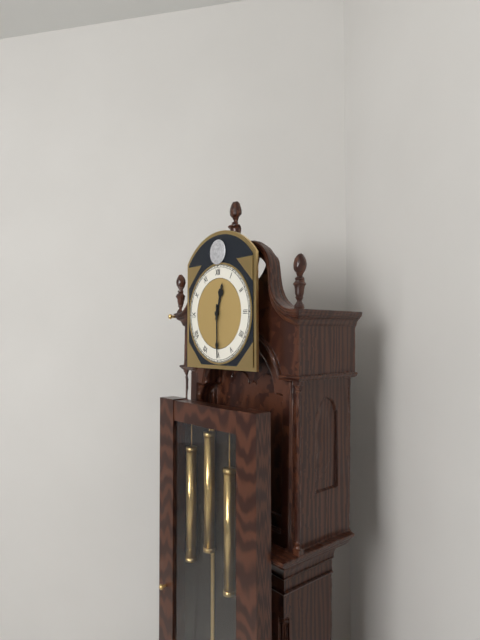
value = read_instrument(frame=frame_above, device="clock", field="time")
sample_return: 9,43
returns 12,30
